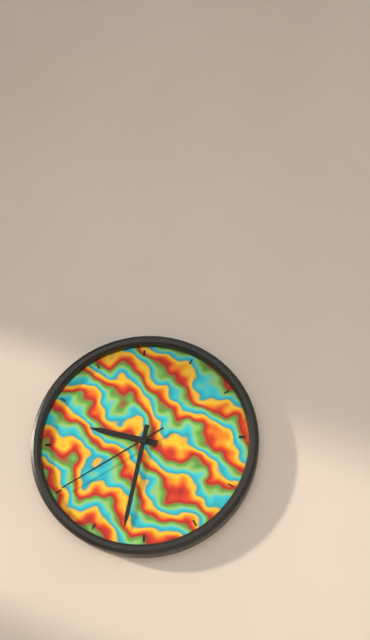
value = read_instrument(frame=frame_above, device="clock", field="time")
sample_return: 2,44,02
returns 9,32,40
